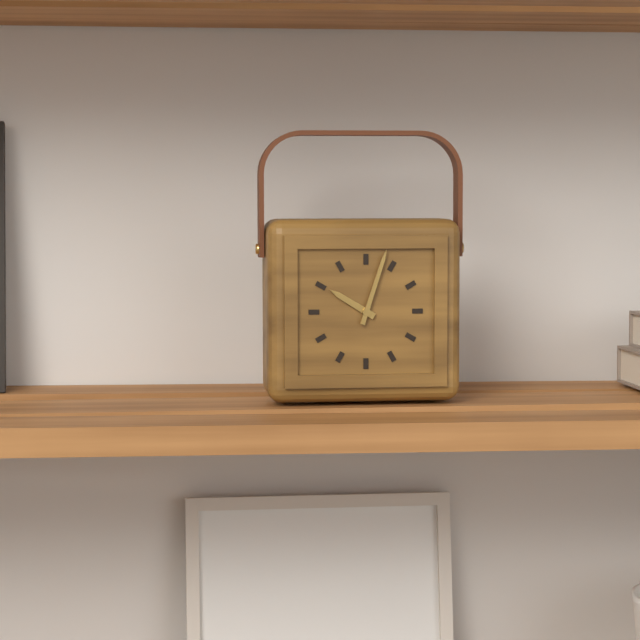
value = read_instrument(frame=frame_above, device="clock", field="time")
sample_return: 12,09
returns 10,03
